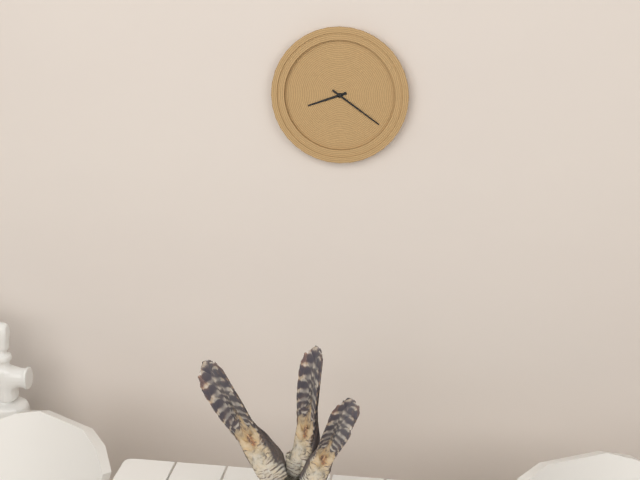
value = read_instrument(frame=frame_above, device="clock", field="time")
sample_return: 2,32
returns 8,21
